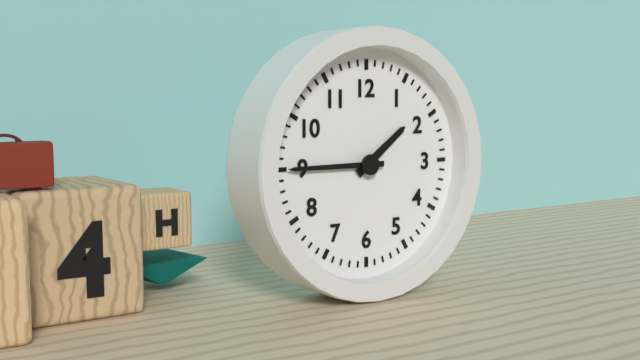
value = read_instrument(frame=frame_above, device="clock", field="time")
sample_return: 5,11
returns 1,45
